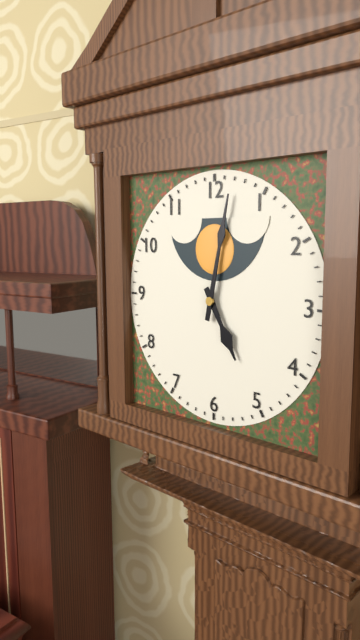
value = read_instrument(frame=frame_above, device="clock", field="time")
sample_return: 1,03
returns 5,02
